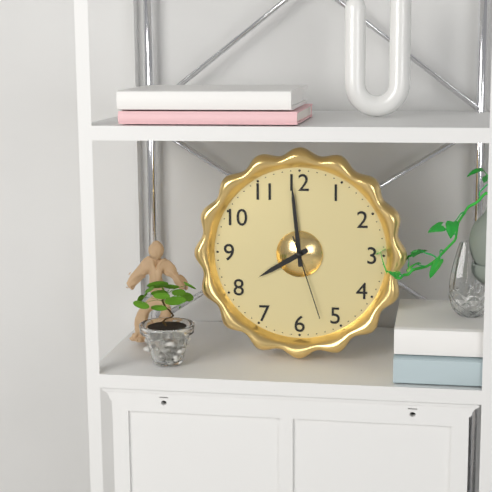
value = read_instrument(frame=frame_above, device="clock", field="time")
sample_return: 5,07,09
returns 7,59,27
